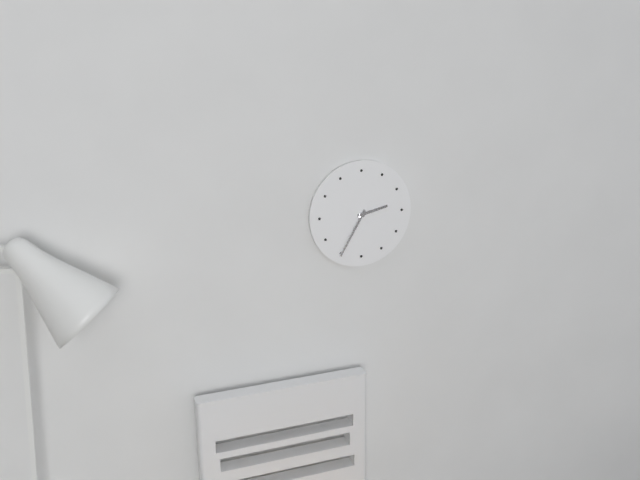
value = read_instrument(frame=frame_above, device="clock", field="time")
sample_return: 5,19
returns 2,35
